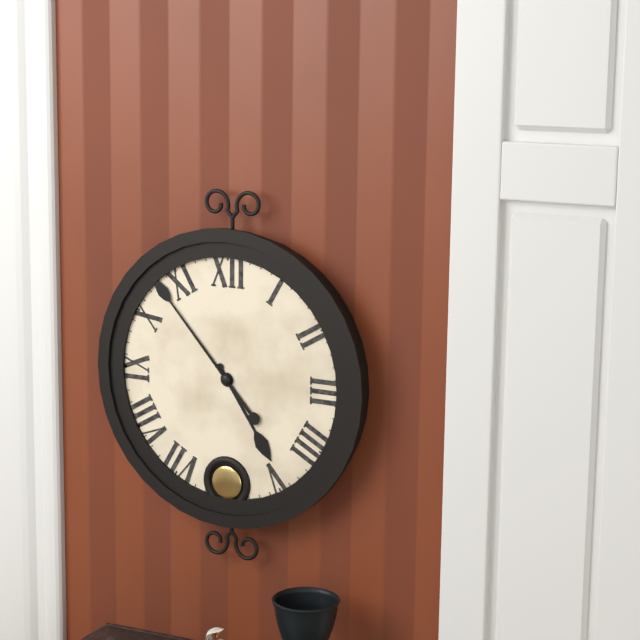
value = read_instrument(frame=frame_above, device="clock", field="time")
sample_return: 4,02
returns 4,53
